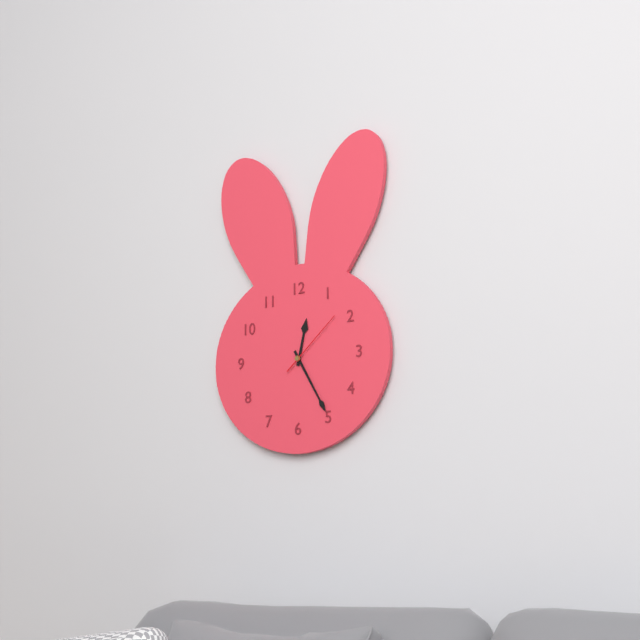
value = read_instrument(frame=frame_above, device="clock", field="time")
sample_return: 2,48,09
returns 12,25,08
